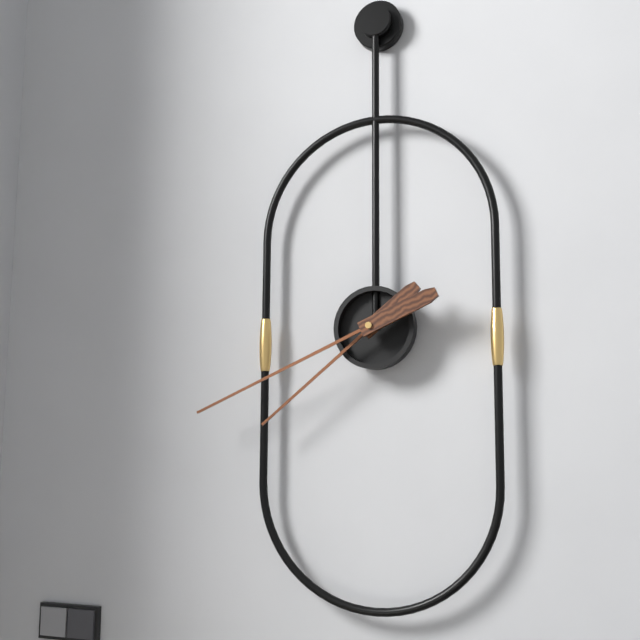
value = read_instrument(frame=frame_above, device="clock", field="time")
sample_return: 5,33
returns 7,41
